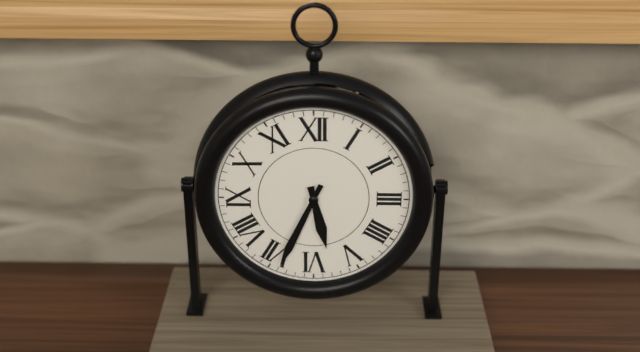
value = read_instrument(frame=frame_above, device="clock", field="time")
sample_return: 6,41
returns 5,34
